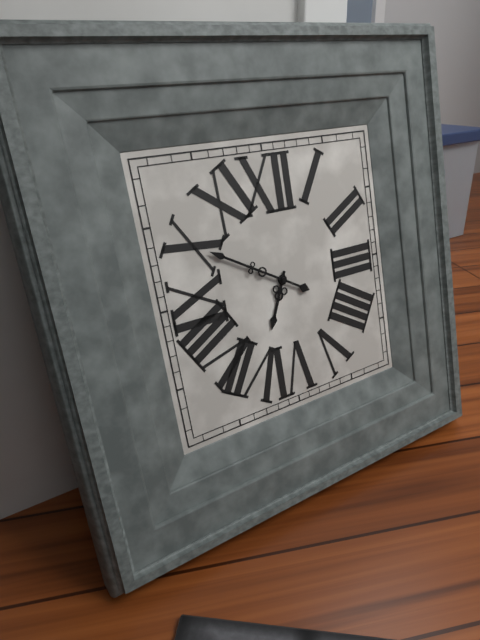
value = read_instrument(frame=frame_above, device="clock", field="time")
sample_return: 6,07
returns 6,50
